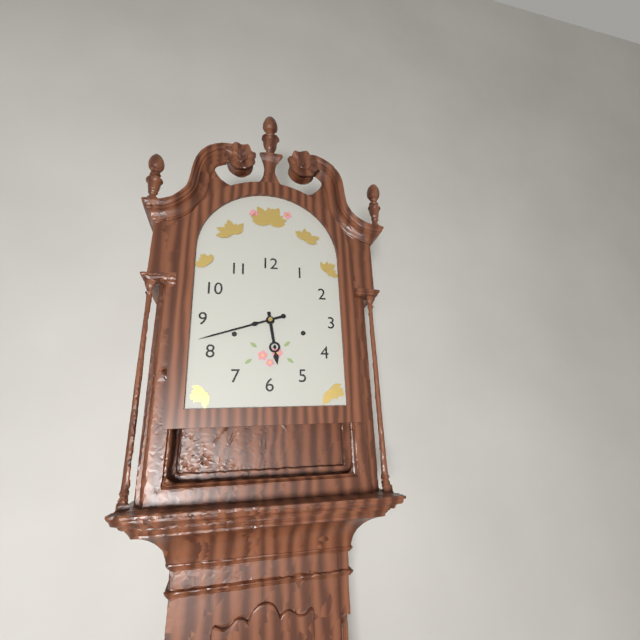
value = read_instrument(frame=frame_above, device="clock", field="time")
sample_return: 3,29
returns 5,42
